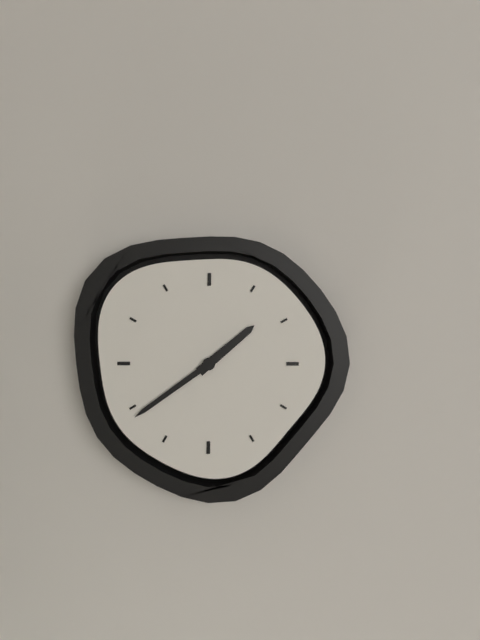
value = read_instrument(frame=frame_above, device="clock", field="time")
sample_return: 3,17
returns 1,39
